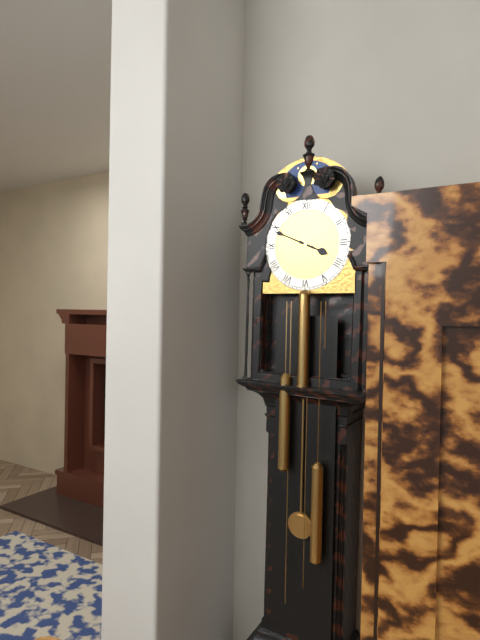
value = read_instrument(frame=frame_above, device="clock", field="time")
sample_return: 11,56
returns 3,49
